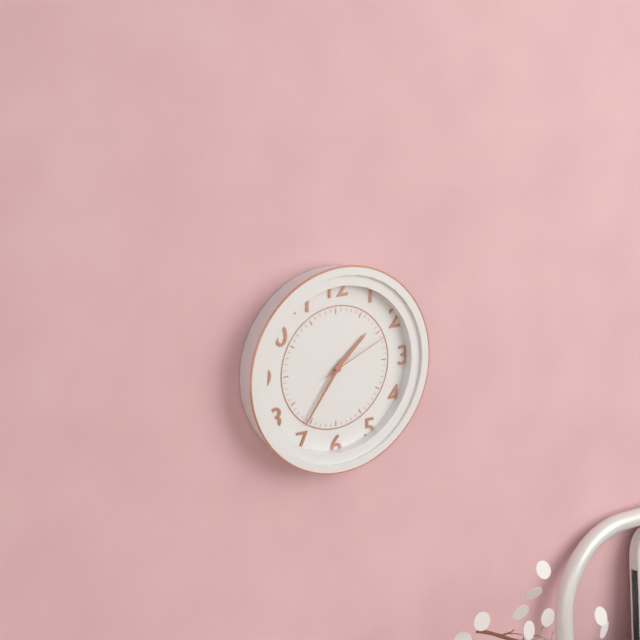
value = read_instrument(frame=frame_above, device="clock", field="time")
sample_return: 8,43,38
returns 1,36,11
